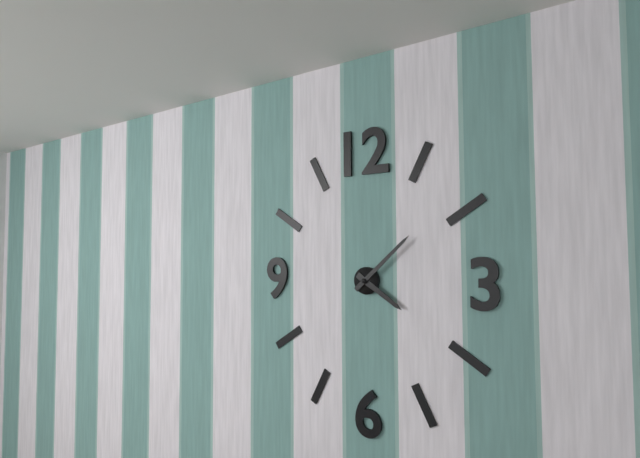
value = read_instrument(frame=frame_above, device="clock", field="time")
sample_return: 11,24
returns 4,08
